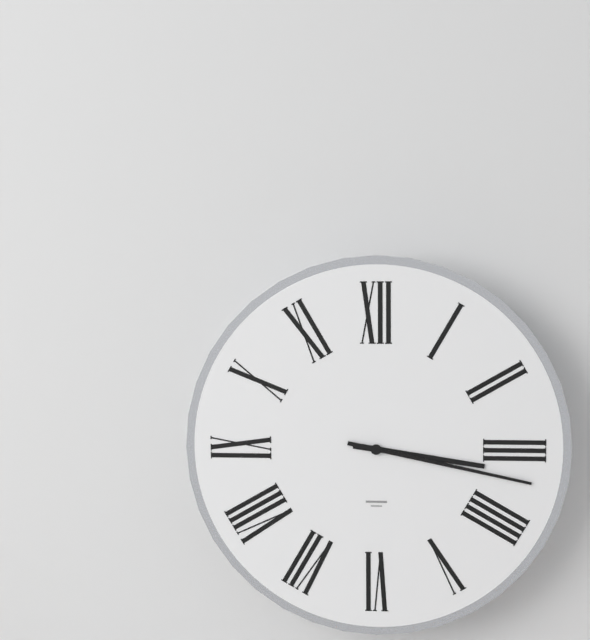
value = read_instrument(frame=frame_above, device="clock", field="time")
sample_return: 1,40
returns 3,17
